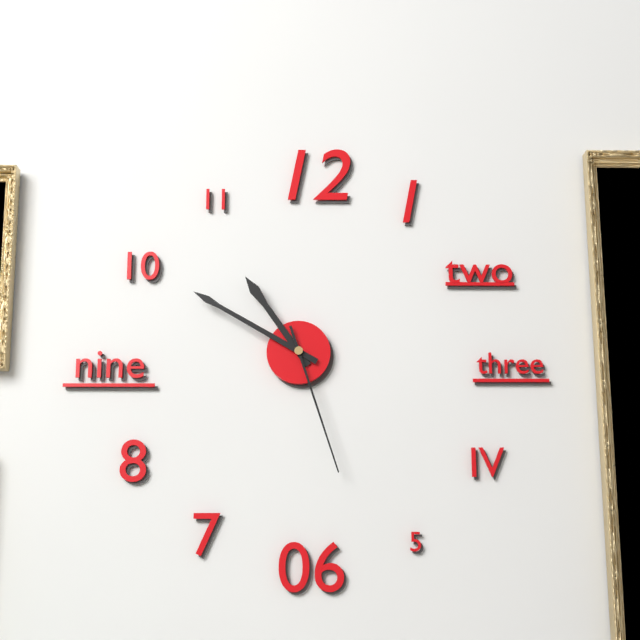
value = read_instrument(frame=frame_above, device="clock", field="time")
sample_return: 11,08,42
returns 10,50,27
